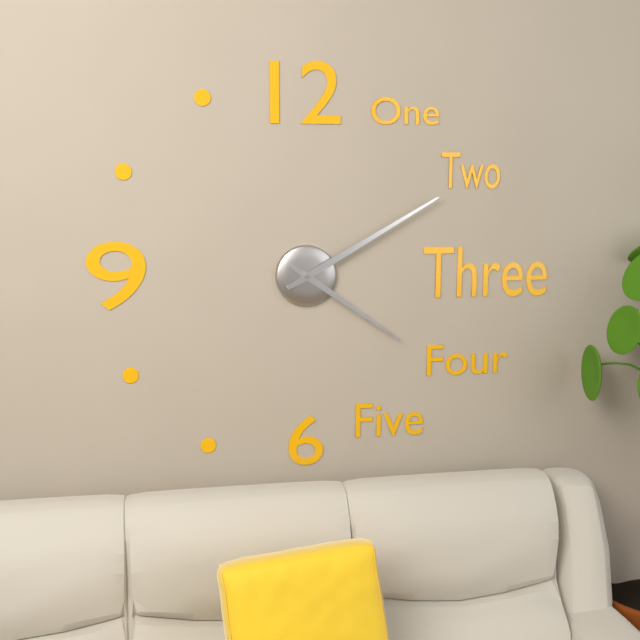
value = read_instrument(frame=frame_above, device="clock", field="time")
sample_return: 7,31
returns 4,10
